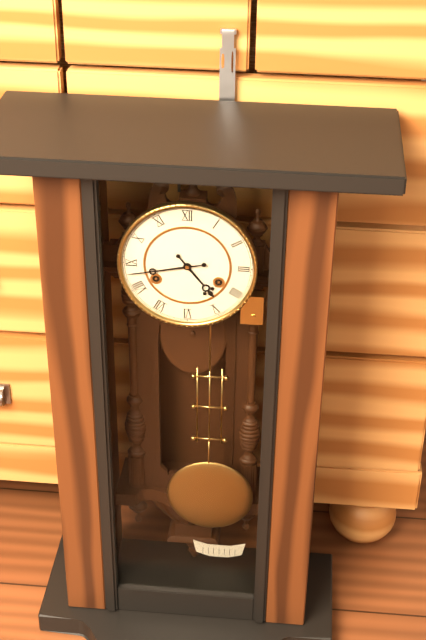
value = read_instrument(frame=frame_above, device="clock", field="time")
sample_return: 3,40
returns 4,43
